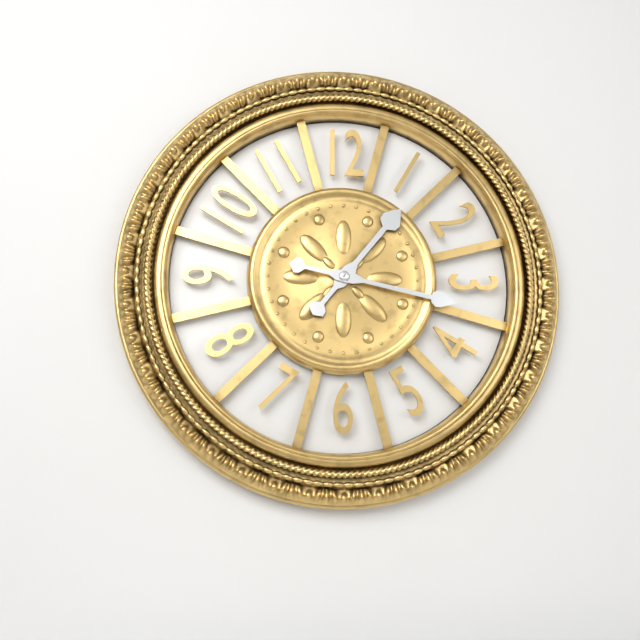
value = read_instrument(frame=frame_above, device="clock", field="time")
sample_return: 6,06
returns 1,17
